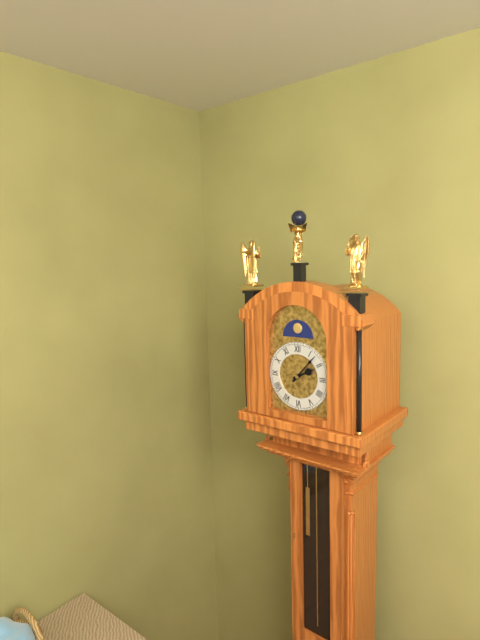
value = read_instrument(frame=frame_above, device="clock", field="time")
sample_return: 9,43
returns 2,07
